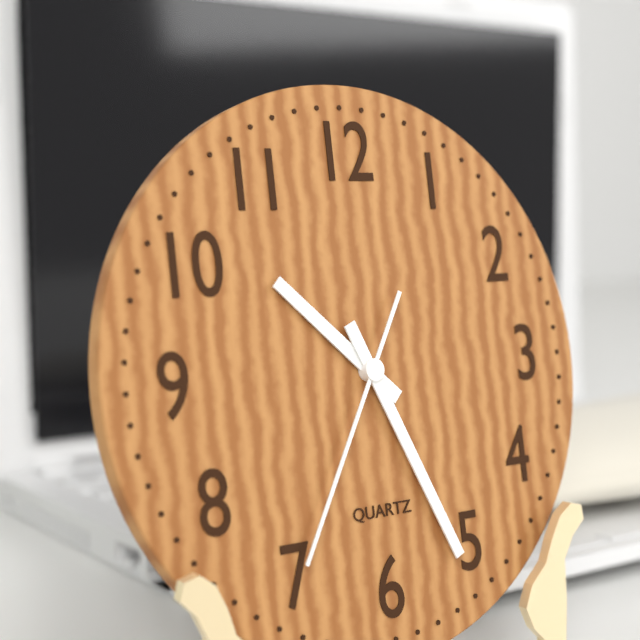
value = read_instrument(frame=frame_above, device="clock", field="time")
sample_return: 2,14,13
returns 10,26,35
